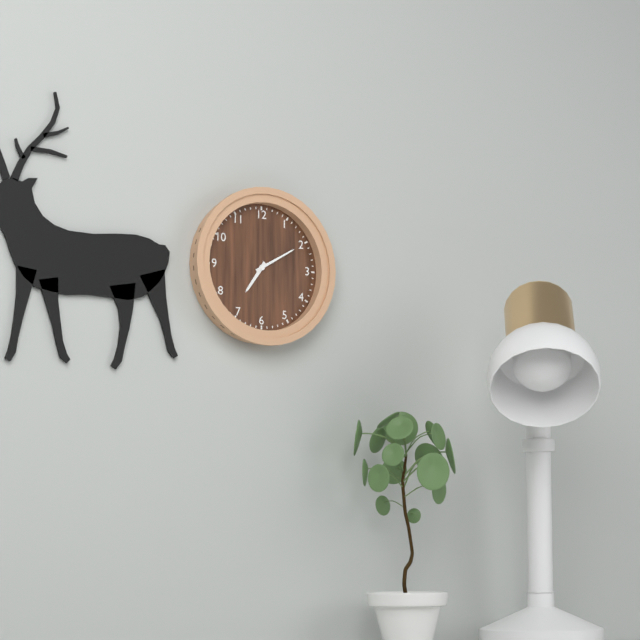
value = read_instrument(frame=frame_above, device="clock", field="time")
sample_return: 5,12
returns 7,10
